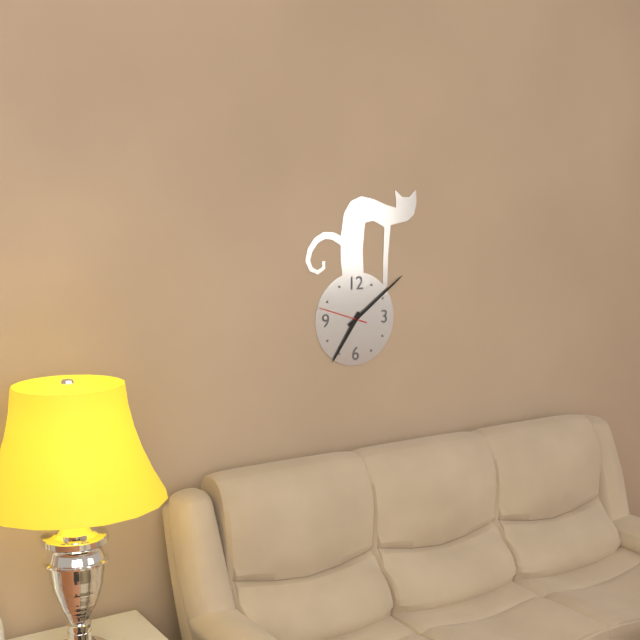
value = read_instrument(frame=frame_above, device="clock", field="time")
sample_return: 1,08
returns 7,09
